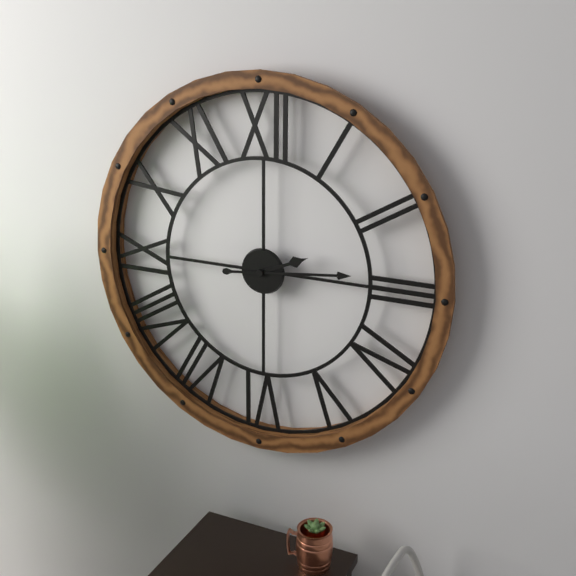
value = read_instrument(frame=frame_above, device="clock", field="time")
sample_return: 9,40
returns 2,14
